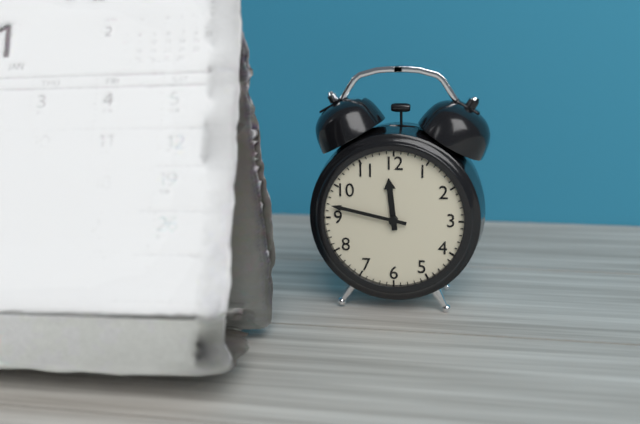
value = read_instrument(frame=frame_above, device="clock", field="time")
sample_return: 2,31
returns 11,47
